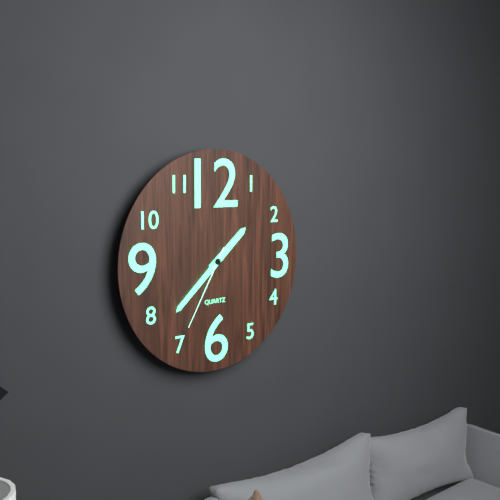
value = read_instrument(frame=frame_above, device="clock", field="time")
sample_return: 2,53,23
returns 1,38,35
